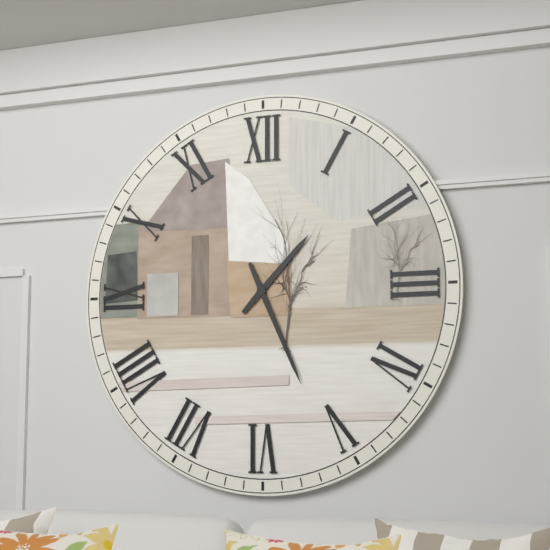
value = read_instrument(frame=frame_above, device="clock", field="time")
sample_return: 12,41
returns 1,26
